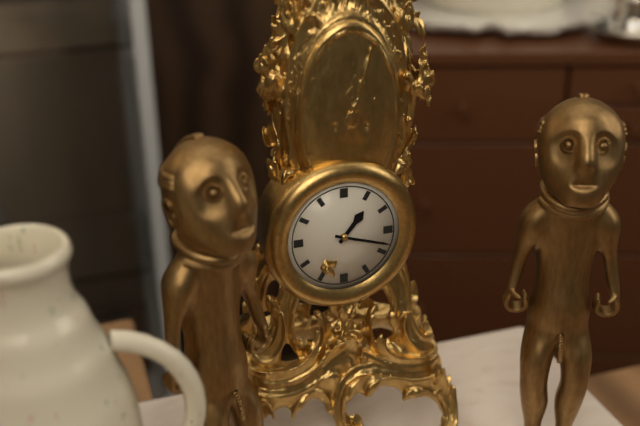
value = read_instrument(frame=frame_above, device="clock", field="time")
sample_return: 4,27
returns 1,18
